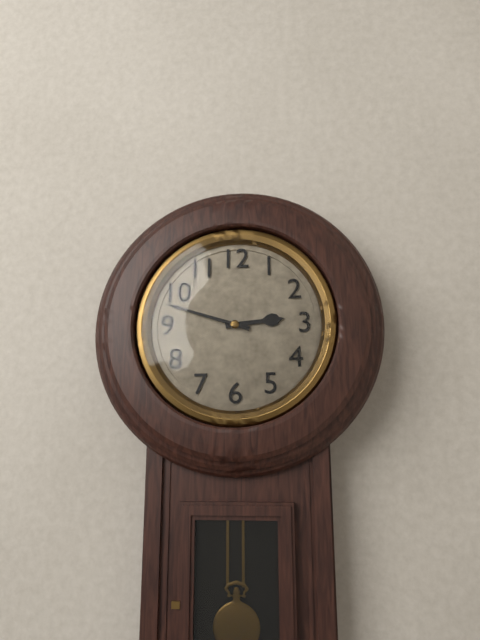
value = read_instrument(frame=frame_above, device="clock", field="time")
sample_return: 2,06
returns 2,48
